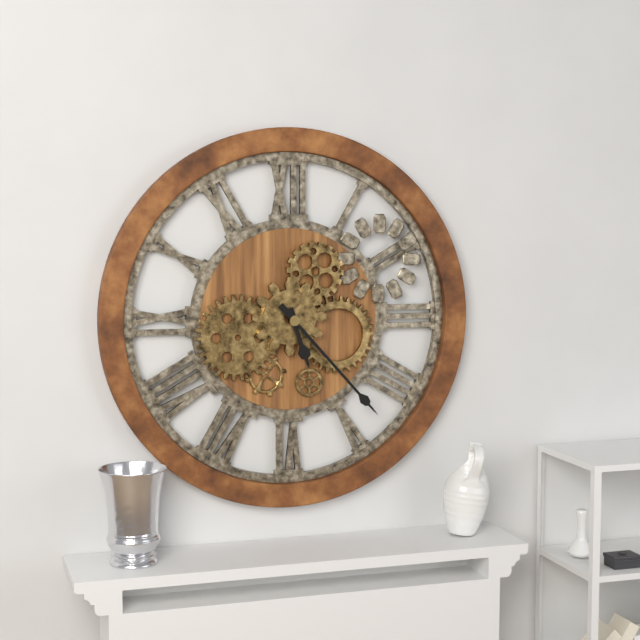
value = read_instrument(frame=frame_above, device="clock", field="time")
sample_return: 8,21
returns 5,23
